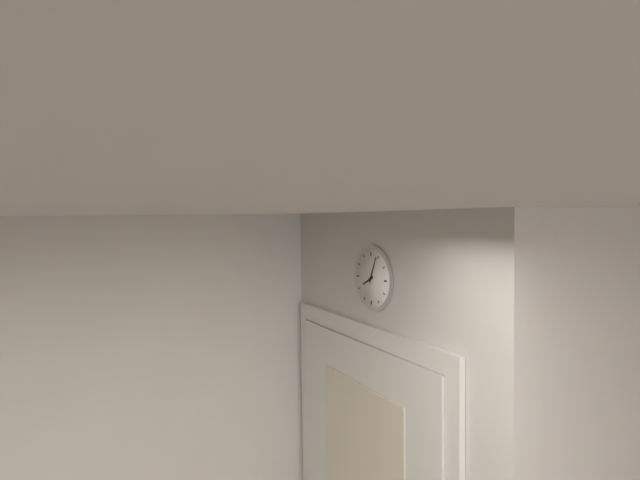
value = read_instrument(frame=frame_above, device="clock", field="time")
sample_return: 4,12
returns 8,04
